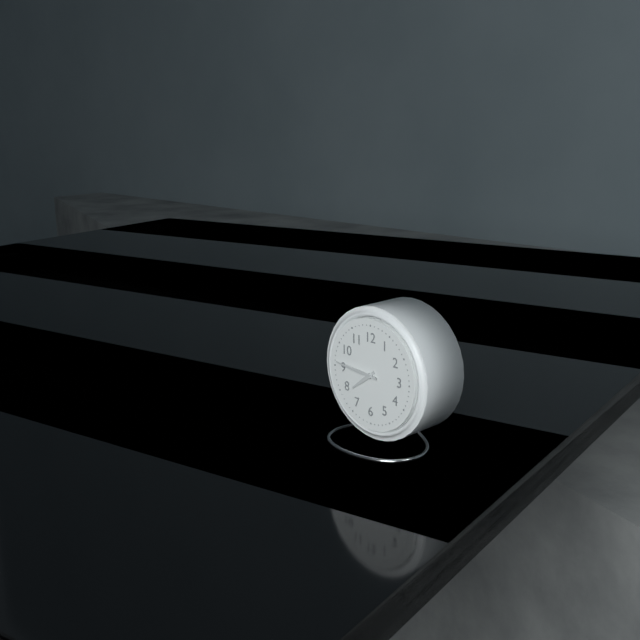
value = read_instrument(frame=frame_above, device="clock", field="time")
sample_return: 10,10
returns 7,46
